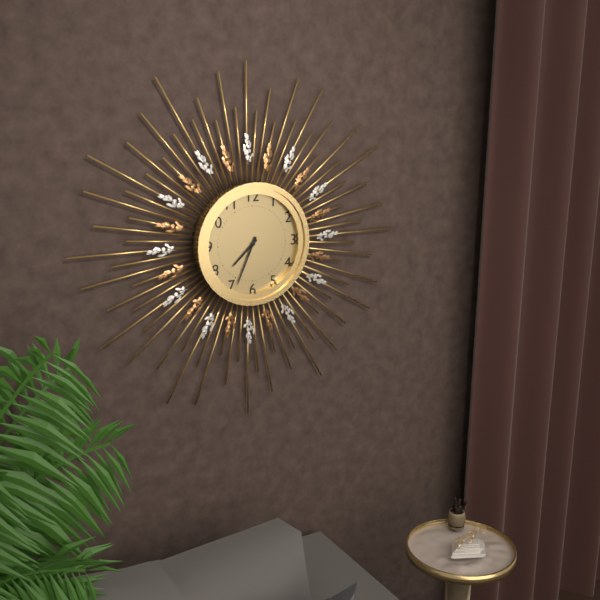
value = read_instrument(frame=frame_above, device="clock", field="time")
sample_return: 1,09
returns 7,34
